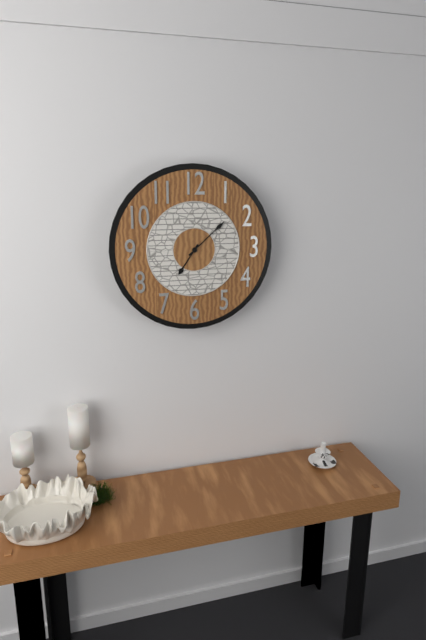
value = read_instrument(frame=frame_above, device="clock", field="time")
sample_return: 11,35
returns 7,08
